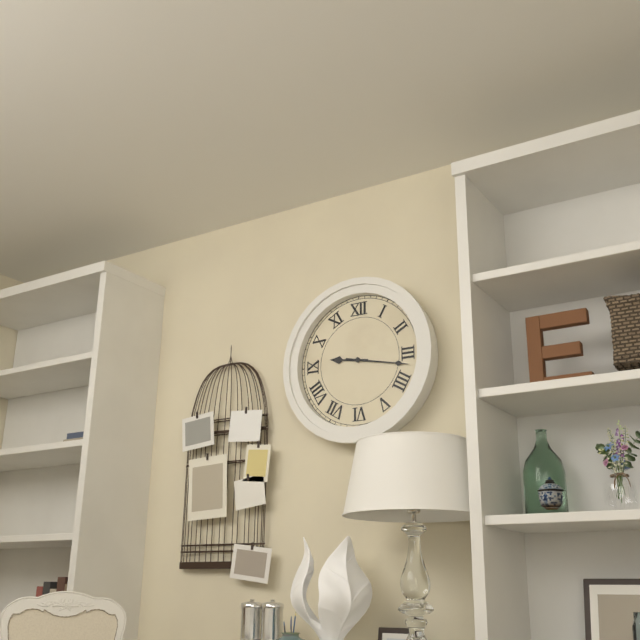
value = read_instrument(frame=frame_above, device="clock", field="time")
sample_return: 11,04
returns 9,17
